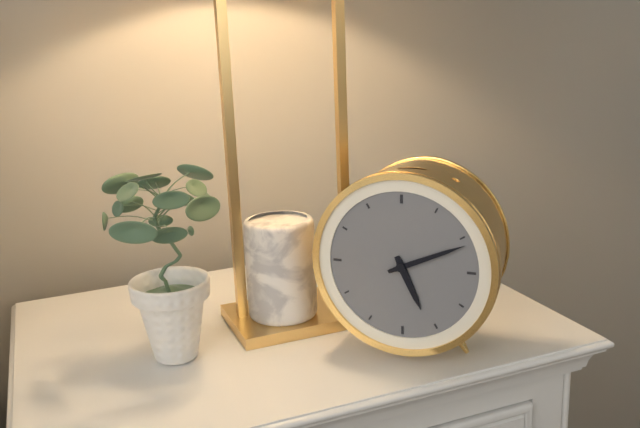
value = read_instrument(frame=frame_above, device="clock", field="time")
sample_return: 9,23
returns 5,11
